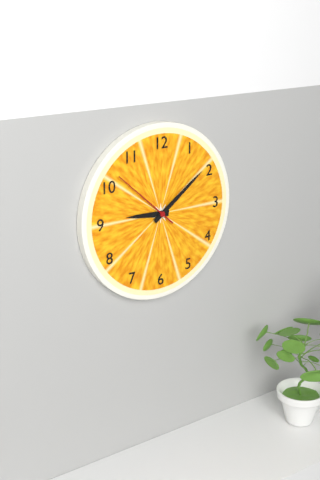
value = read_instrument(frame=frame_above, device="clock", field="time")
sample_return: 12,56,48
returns 9,09,52
